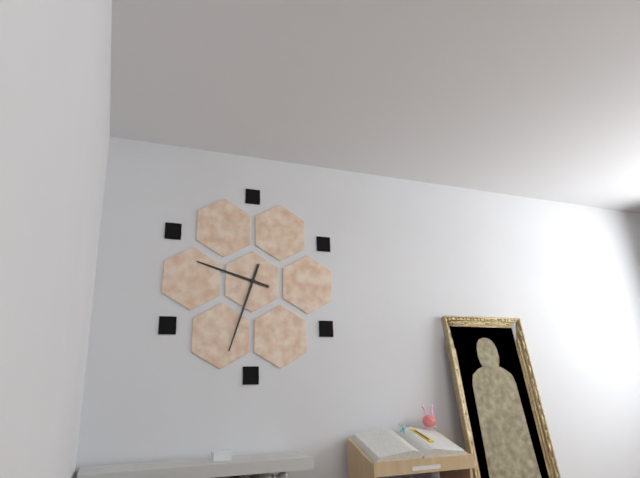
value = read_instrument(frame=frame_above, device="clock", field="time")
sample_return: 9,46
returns 9,33
